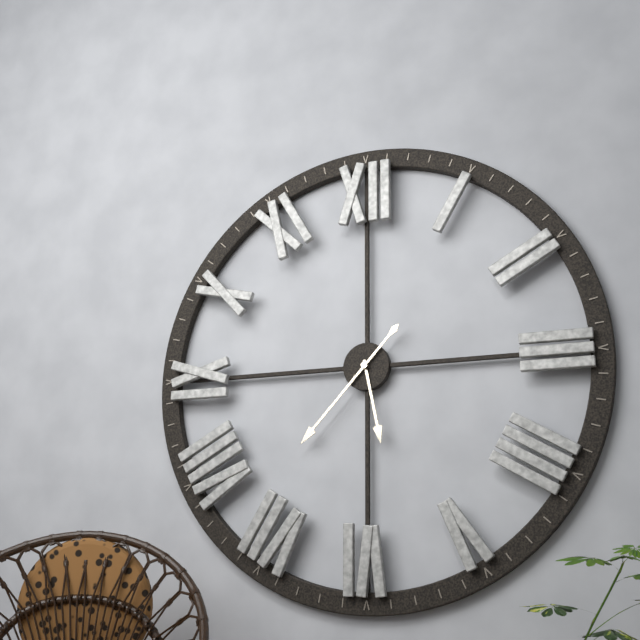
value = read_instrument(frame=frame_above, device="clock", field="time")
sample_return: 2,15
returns 5,37
